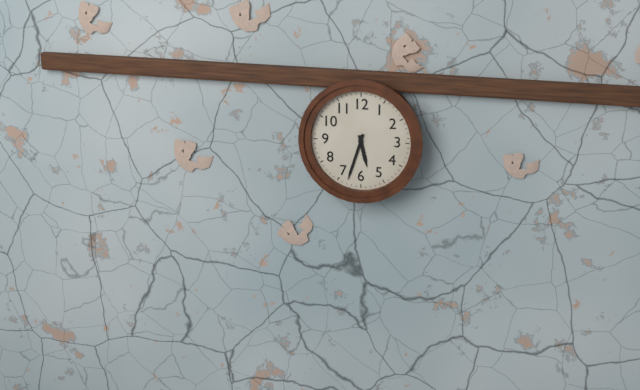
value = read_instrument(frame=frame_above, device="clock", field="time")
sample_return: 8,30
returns 5,33
